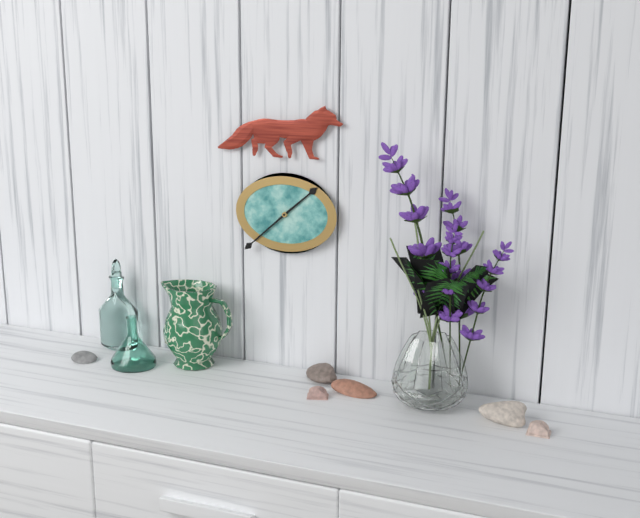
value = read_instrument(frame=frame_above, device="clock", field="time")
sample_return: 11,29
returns 1,38
